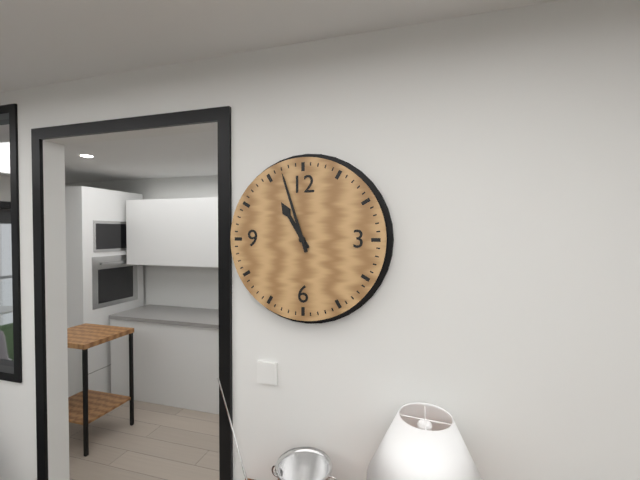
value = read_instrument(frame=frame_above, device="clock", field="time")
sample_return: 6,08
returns 10,57
